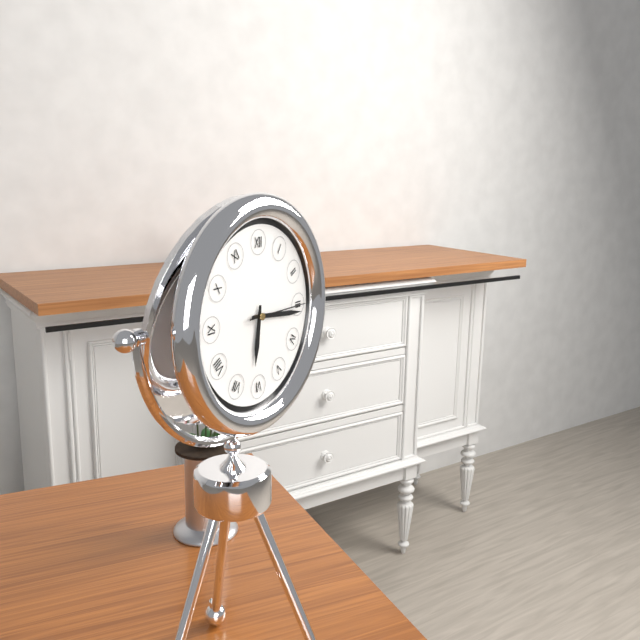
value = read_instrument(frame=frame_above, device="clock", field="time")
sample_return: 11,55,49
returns 6,16,15
